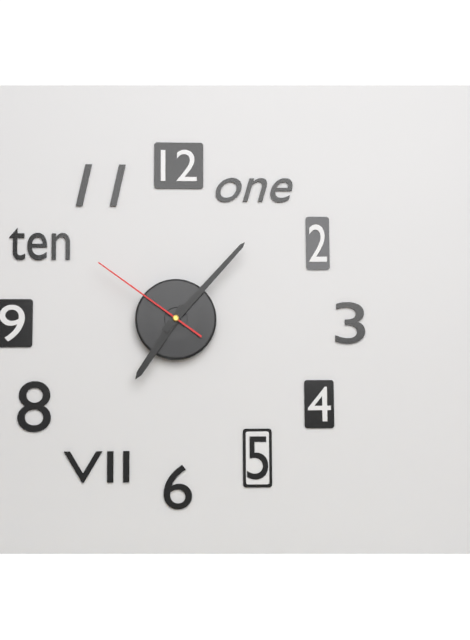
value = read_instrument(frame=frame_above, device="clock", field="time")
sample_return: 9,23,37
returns 7,07,51
